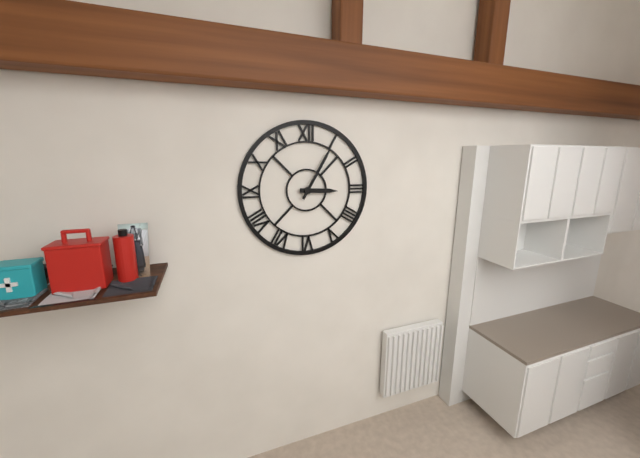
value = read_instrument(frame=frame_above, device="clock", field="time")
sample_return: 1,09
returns 3,05
